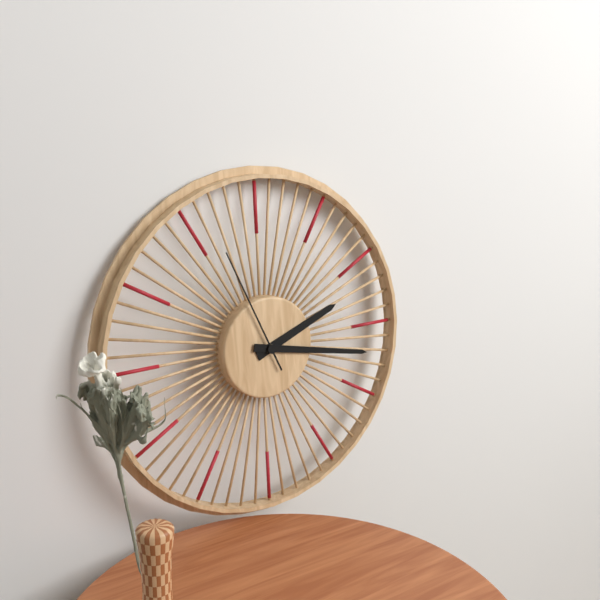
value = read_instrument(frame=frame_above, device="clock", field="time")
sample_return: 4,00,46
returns 2,17,56
